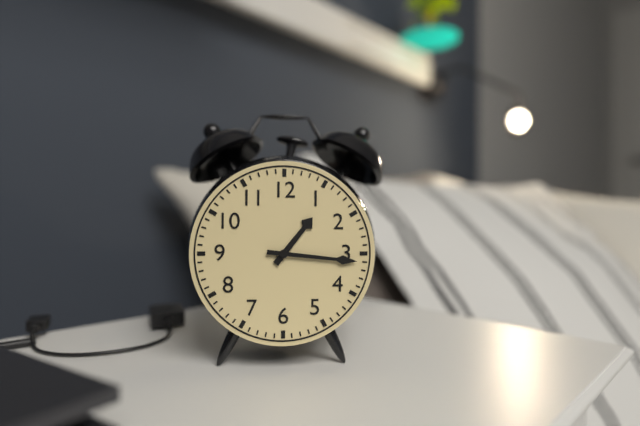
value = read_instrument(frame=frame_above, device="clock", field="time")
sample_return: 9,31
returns 1,16
